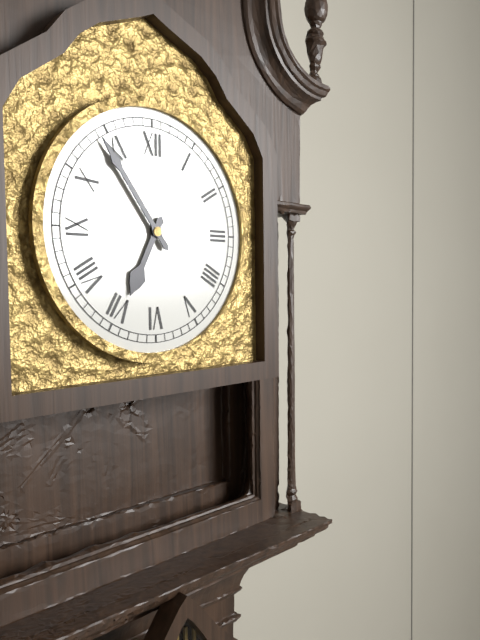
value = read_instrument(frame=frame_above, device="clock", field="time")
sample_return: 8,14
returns 6,54
